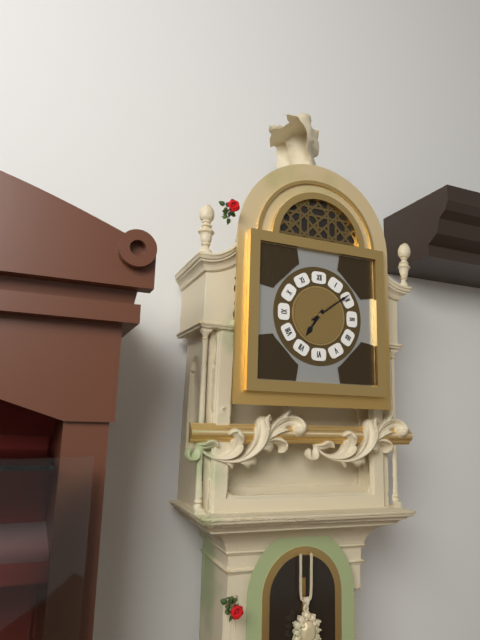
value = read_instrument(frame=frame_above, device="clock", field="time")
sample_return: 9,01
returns 7,09
